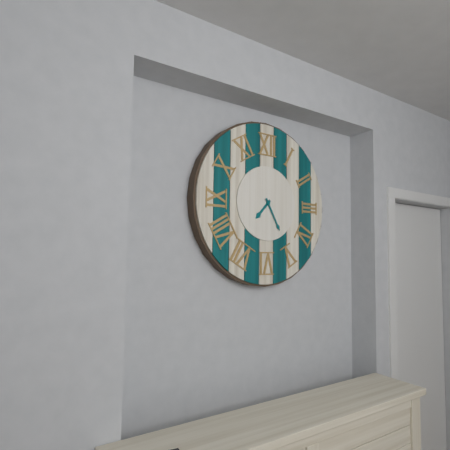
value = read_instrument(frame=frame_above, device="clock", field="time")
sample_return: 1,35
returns 7,25
